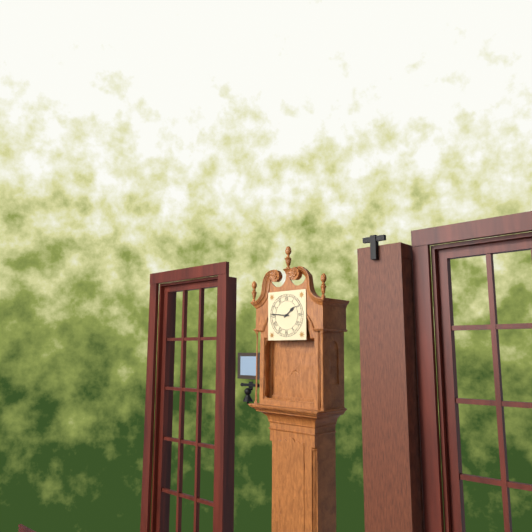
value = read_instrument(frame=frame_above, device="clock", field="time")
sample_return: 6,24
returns 1,46
